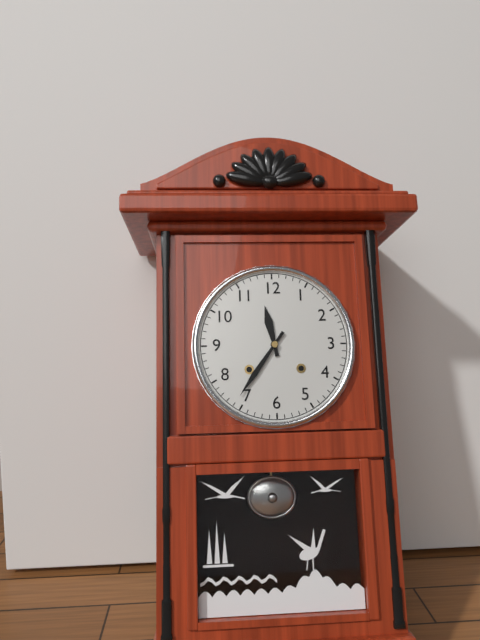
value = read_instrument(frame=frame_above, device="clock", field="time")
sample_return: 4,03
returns 11,36
